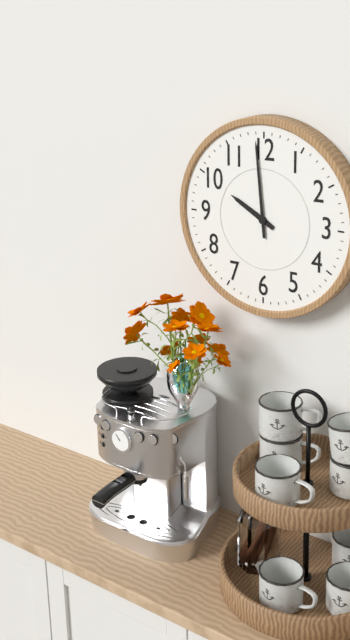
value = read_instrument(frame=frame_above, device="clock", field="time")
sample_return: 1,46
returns 9,59
